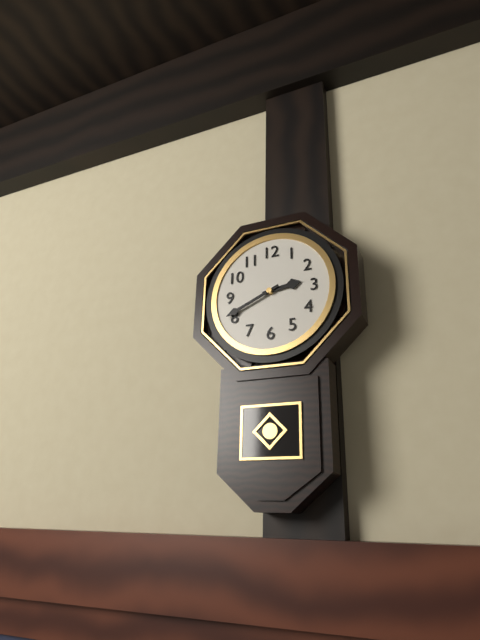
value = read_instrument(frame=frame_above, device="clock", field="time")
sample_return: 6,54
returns 2,41
